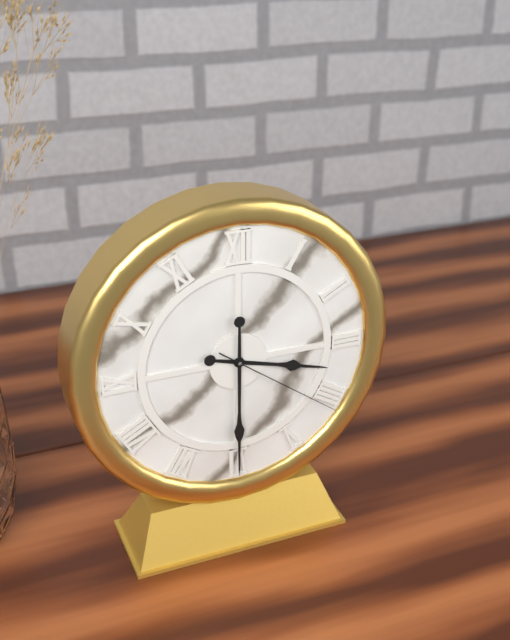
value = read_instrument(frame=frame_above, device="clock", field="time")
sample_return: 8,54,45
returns 3,30,21
